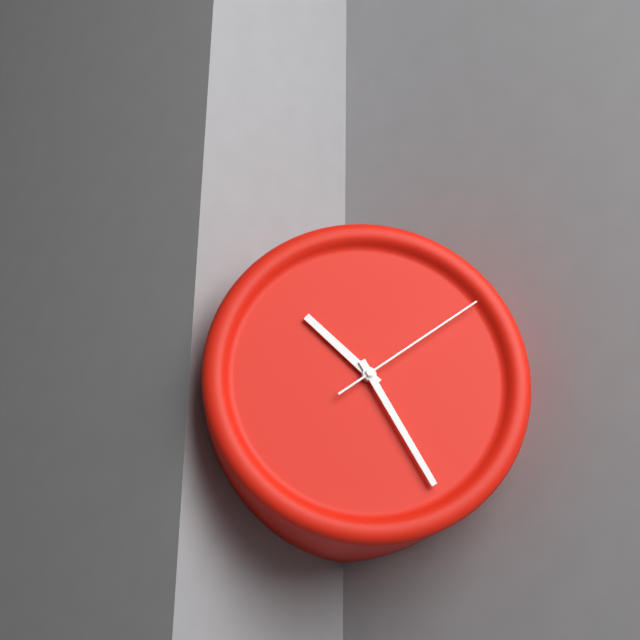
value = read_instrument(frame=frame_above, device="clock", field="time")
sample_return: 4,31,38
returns 10,25,09
